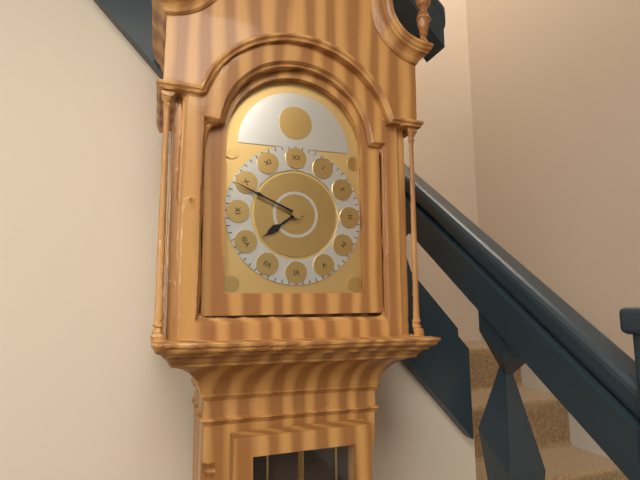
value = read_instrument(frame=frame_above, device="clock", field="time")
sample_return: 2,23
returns 7,49
